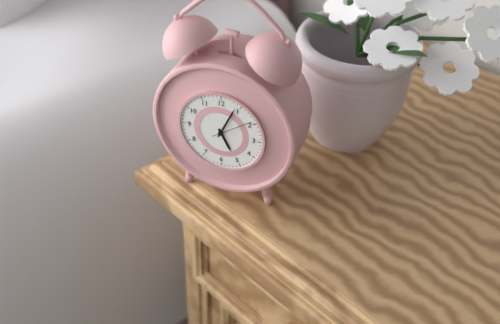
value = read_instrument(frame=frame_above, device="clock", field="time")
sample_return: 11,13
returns 5,04
